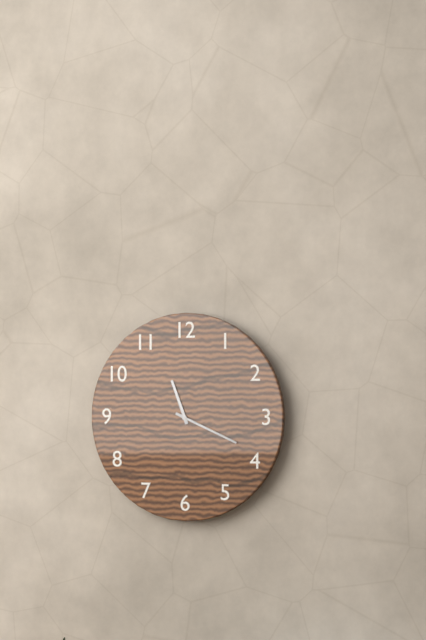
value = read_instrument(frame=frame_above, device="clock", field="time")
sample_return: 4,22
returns 11,19
